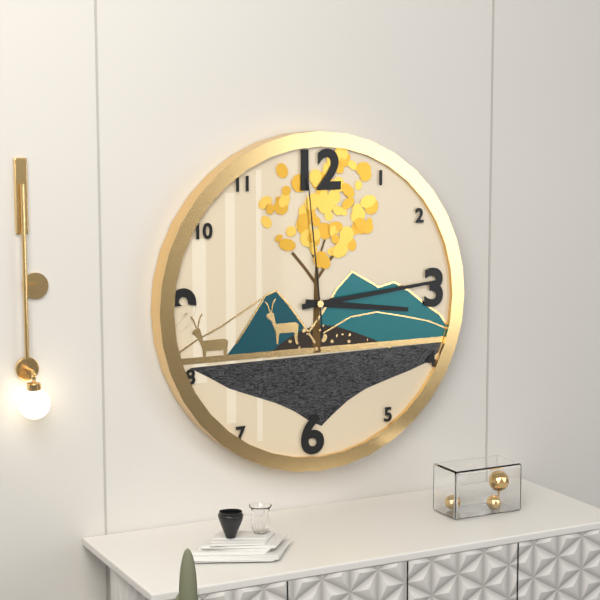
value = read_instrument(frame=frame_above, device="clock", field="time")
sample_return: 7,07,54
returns 3,14,59
